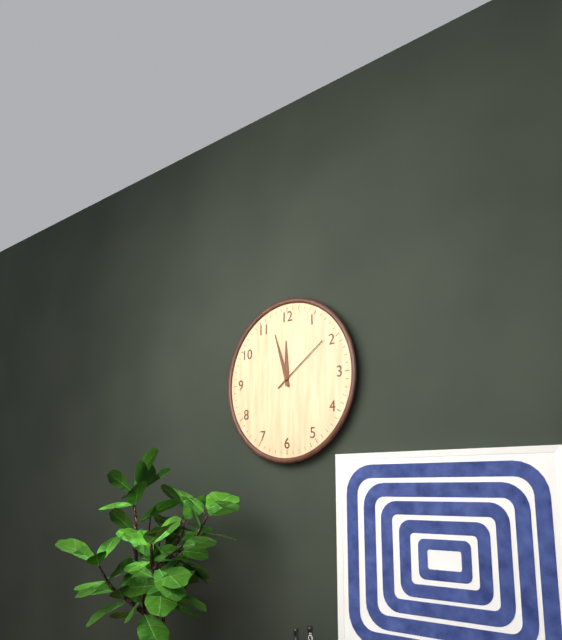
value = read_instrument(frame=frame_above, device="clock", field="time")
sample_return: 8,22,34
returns 11,57,09
